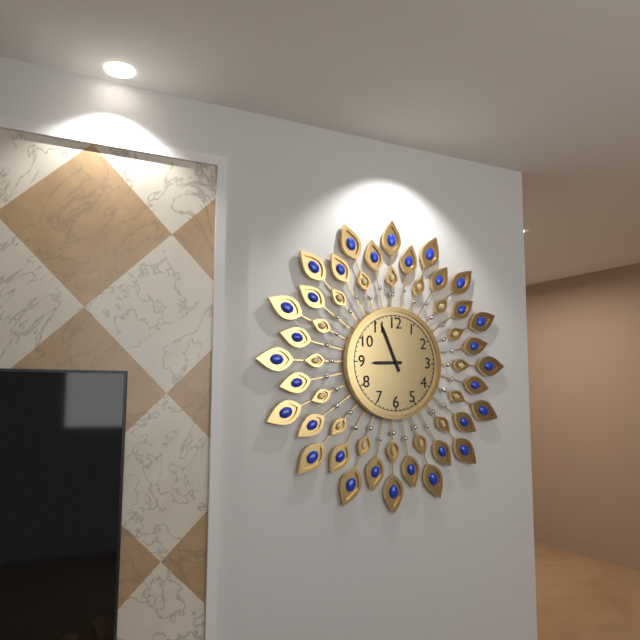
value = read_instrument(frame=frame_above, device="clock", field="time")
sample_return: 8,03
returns 8,56
